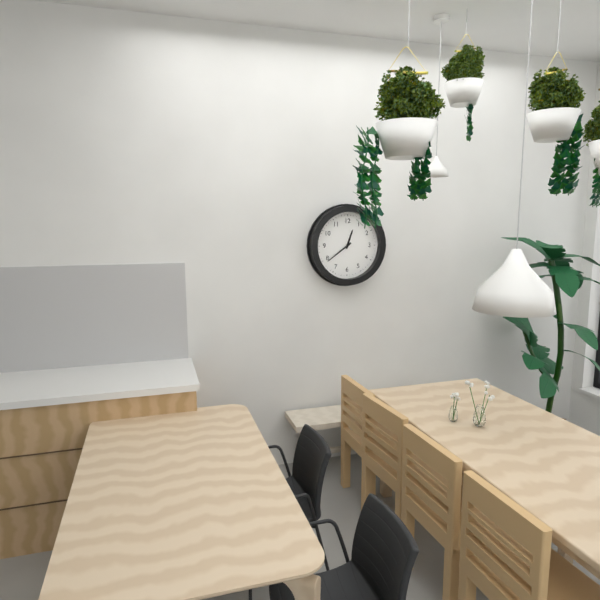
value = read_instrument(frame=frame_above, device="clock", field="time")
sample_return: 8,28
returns 12,39
